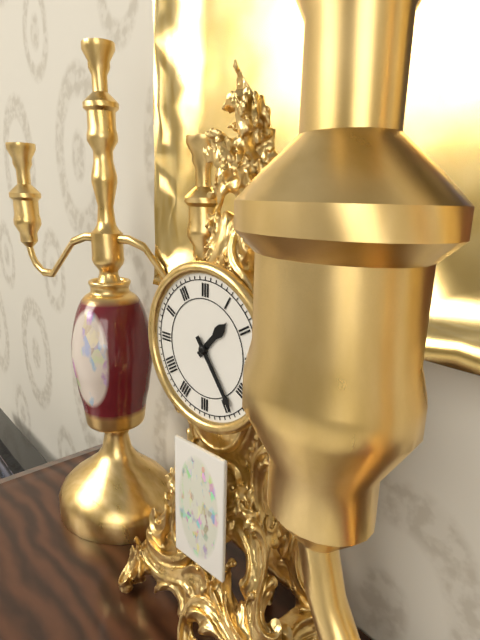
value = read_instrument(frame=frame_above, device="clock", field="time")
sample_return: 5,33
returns 1,24
